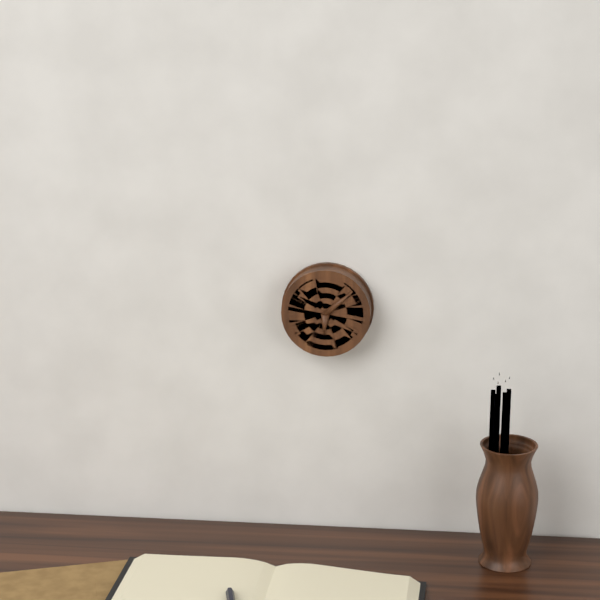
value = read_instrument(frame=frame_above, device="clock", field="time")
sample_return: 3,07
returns 6,08
